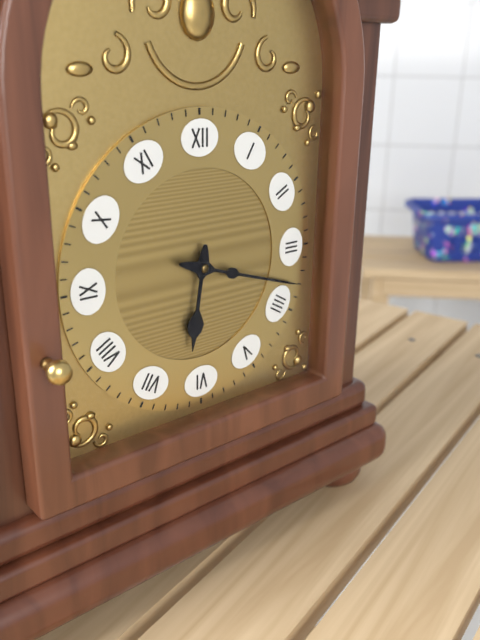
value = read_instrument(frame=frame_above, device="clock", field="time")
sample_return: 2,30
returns 6,18
